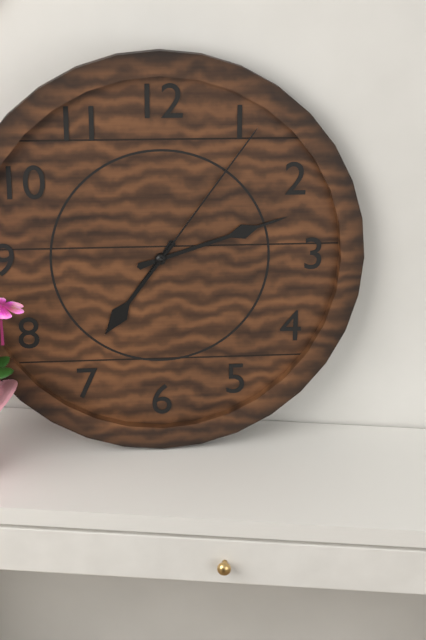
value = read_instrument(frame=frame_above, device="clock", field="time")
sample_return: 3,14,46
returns 7,12,06
